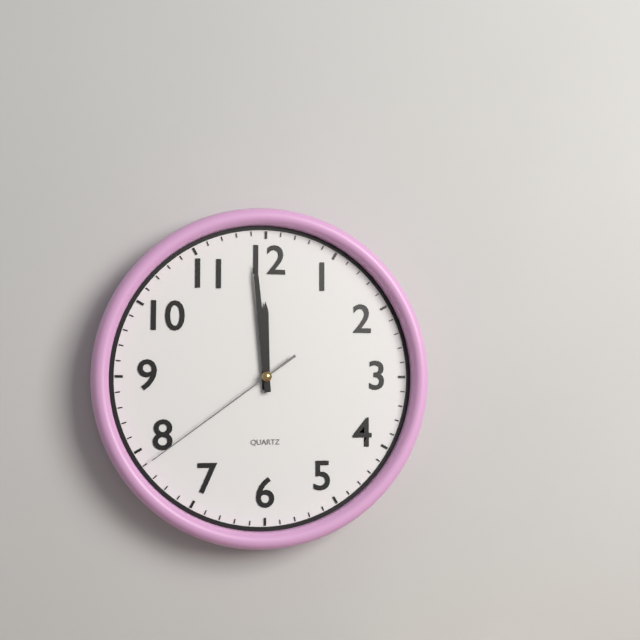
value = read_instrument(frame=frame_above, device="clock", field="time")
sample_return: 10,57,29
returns 11,59,39
